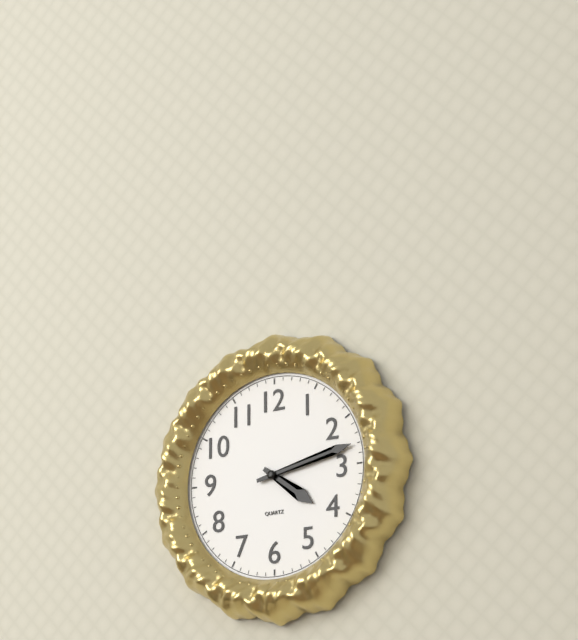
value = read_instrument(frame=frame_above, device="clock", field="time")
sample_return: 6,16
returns 4,13
